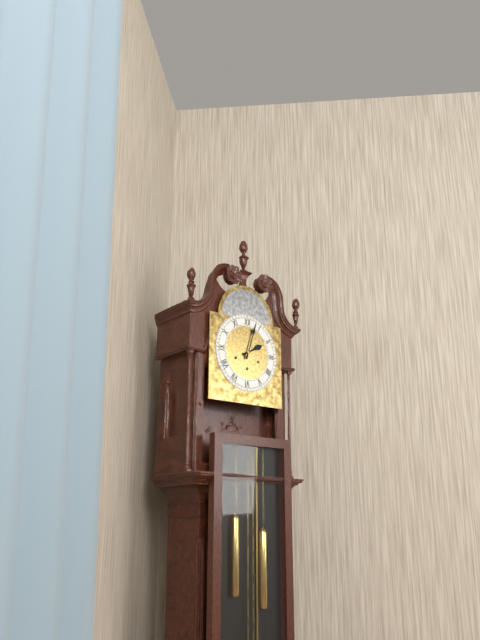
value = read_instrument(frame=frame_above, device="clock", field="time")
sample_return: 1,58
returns 2,03
